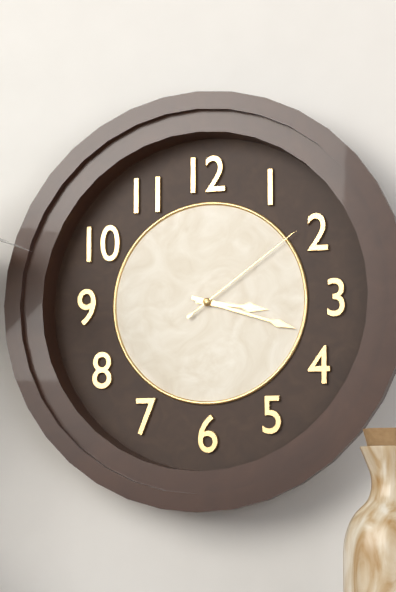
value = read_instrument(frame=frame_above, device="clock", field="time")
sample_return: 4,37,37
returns 3,18,09
